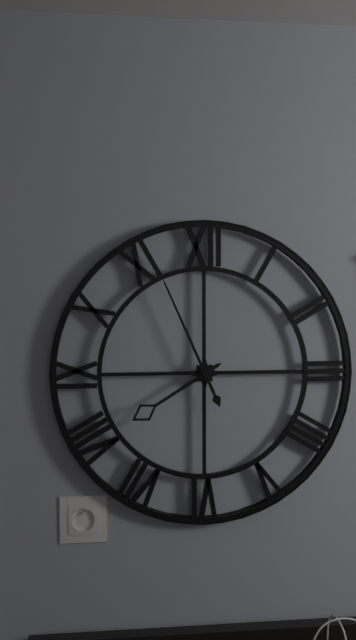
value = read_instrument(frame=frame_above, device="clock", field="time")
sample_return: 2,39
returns 7,56
